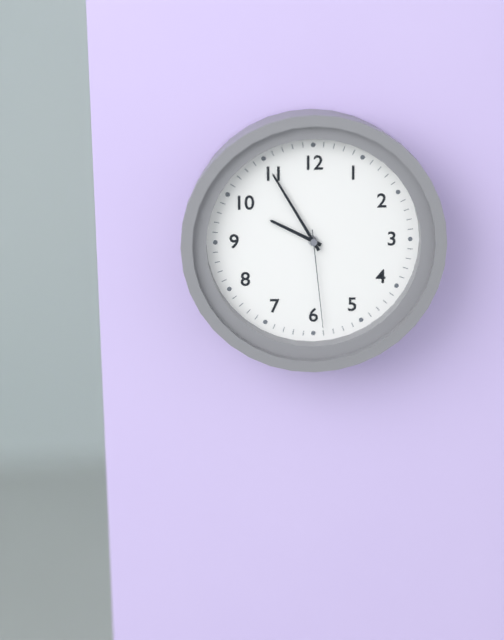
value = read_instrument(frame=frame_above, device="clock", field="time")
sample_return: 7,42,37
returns 9,55,29
